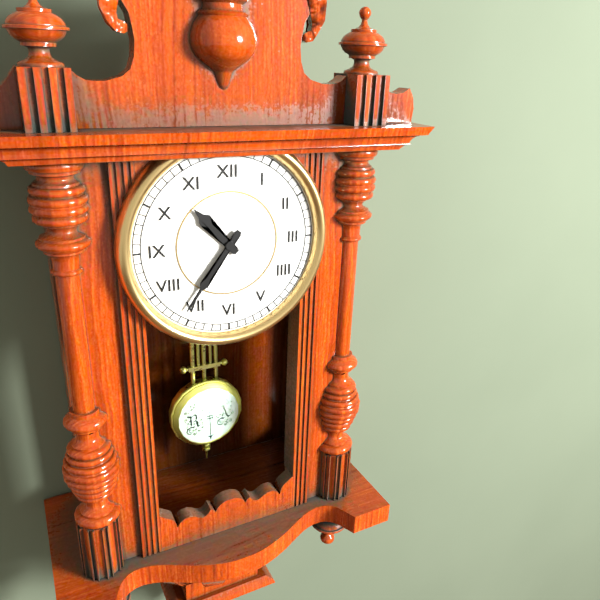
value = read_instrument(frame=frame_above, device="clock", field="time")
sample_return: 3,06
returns 10,36
